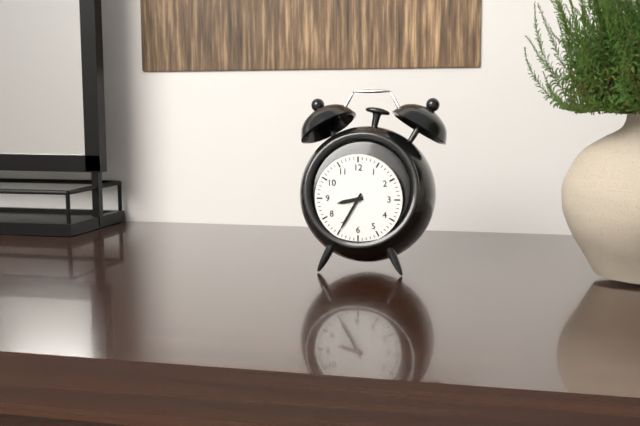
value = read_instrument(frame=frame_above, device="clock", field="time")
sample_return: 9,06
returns 8,35
